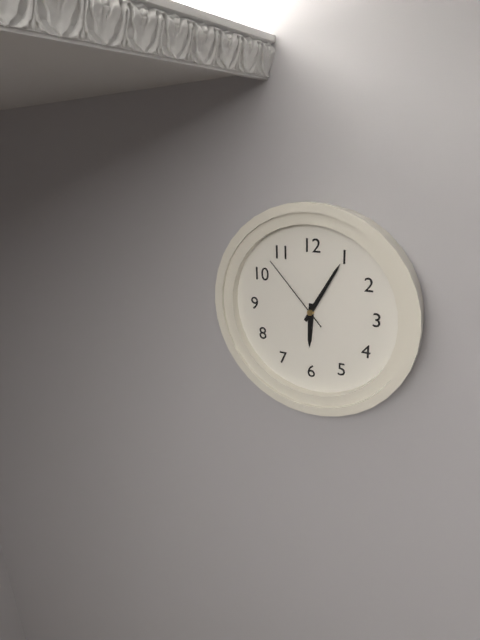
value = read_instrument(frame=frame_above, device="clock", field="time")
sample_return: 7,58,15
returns 6,05,53
